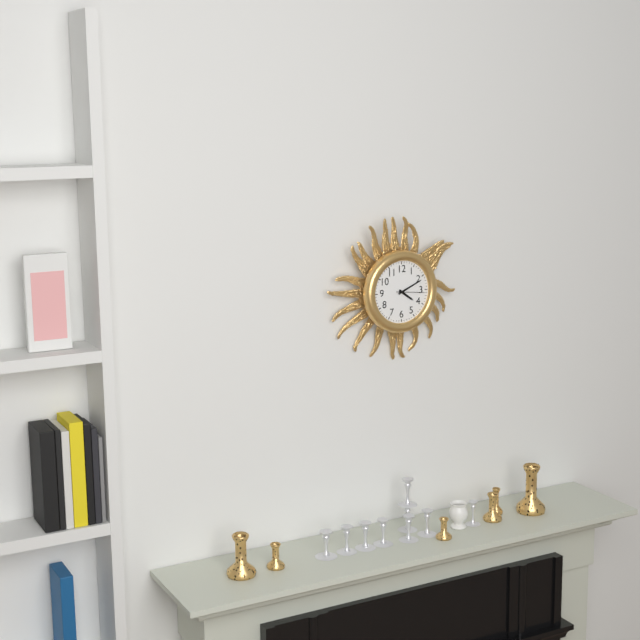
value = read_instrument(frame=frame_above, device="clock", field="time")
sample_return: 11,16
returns 4,11
